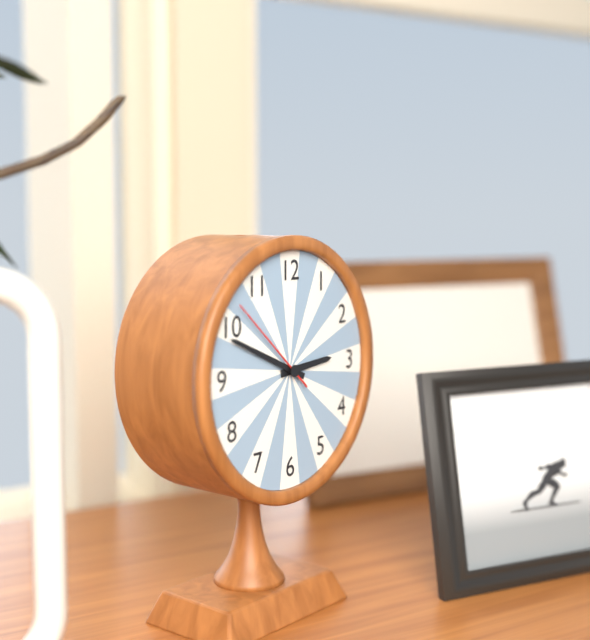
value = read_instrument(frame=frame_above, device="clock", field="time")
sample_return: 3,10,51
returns 2,49,52
